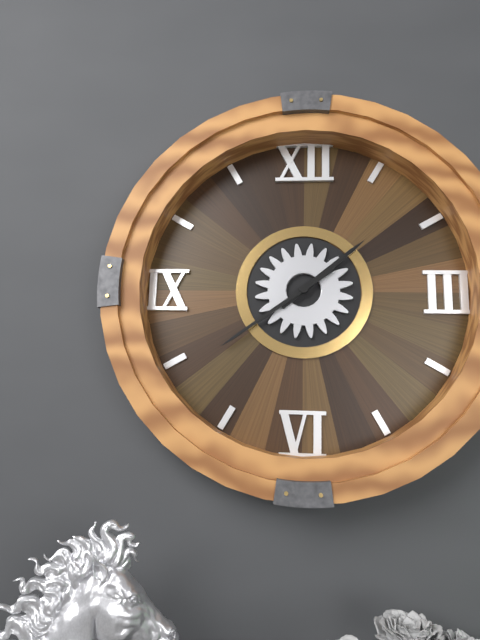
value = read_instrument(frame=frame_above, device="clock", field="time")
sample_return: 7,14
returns 1,39
